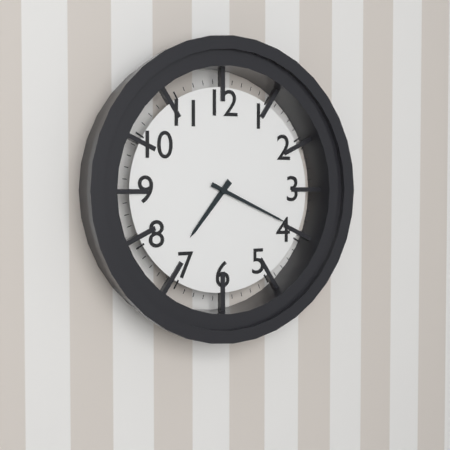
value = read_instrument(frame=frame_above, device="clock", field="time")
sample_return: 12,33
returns 7,19
